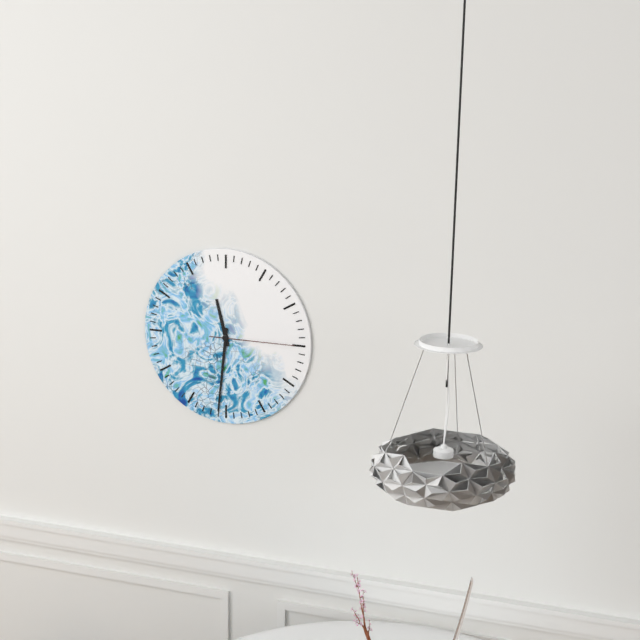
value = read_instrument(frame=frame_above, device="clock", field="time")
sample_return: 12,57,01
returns 11,31,15
